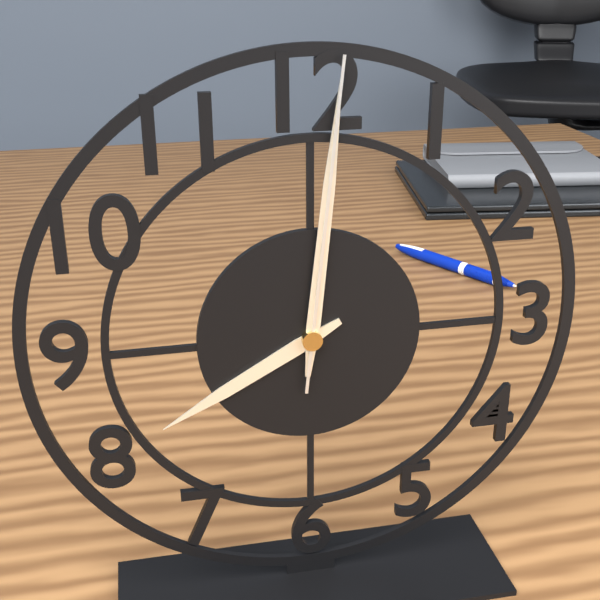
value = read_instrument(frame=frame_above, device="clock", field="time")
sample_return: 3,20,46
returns 8,01,01
